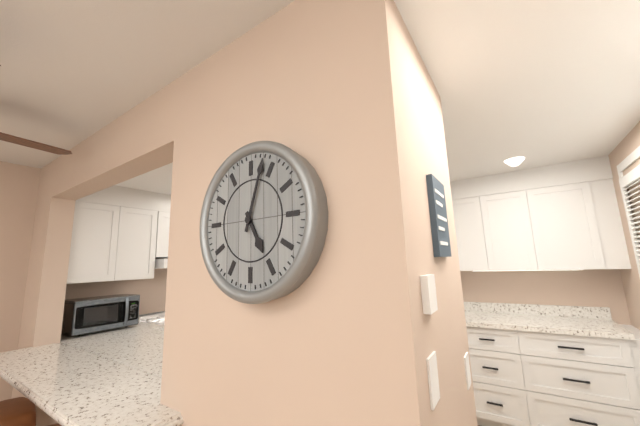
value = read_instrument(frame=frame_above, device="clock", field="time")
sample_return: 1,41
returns 5,03
